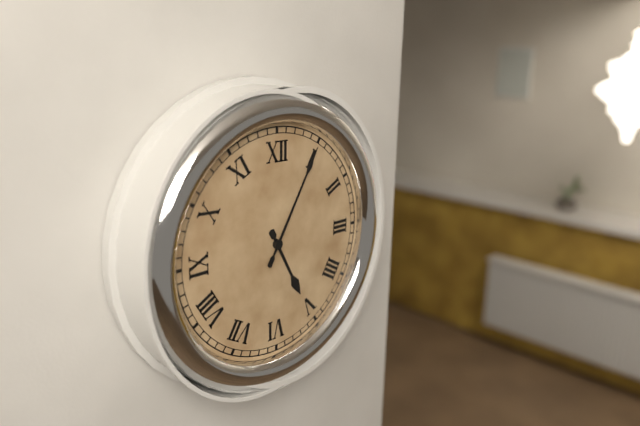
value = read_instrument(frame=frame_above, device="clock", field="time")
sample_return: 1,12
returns 5,05
